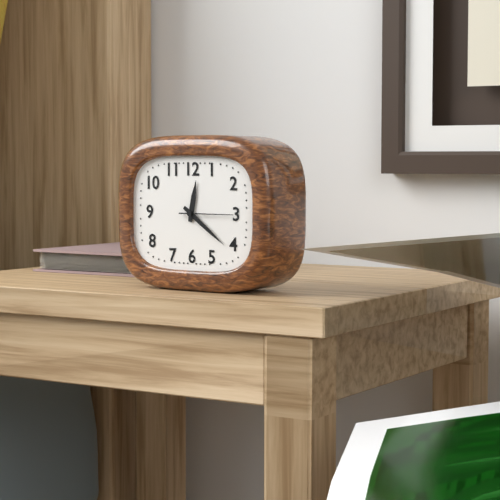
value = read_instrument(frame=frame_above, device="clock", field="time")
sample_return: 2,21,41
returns 12,21,15
